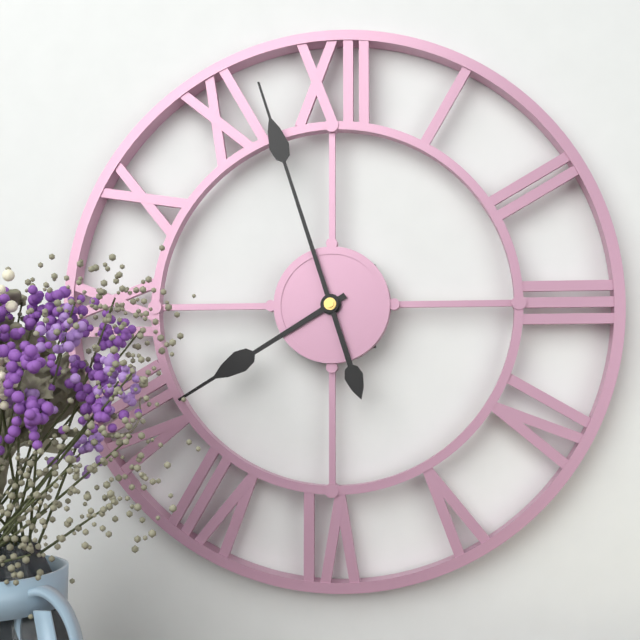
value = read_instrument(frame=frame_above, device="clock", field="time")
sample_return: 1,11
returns 7,57
